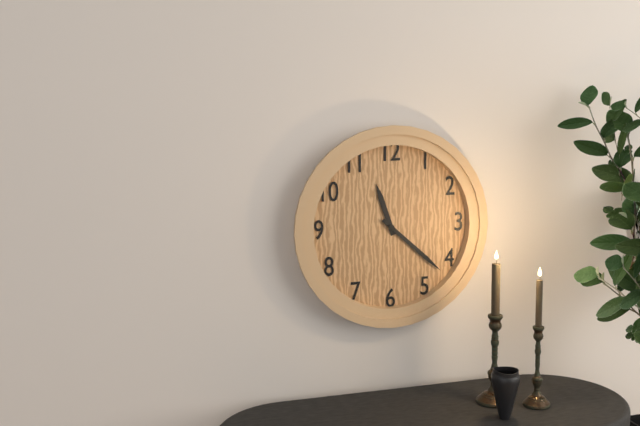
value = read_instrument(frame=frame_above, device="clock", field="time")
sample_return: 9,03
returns 11,22
